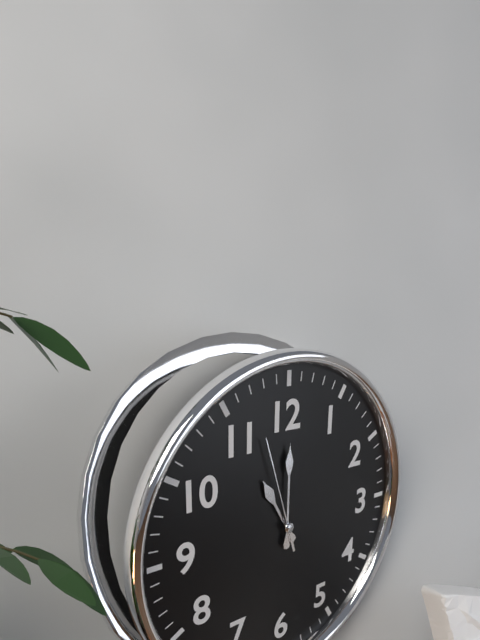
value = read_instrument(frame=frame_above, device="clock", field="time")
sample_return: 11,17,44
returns 11,00,57
